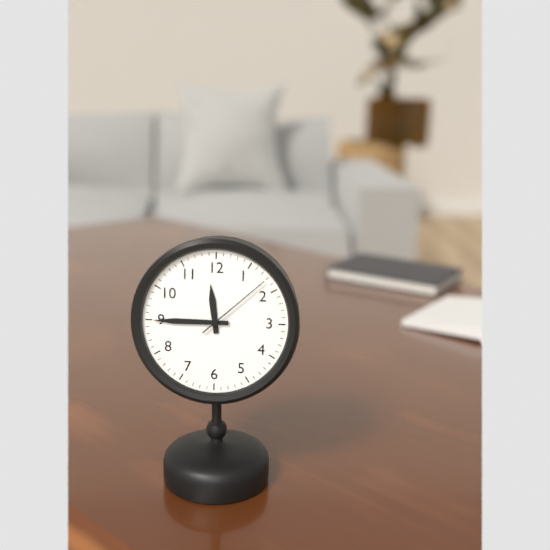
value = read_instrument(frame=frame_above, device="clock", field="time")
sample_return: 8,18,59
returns 11,45,08
